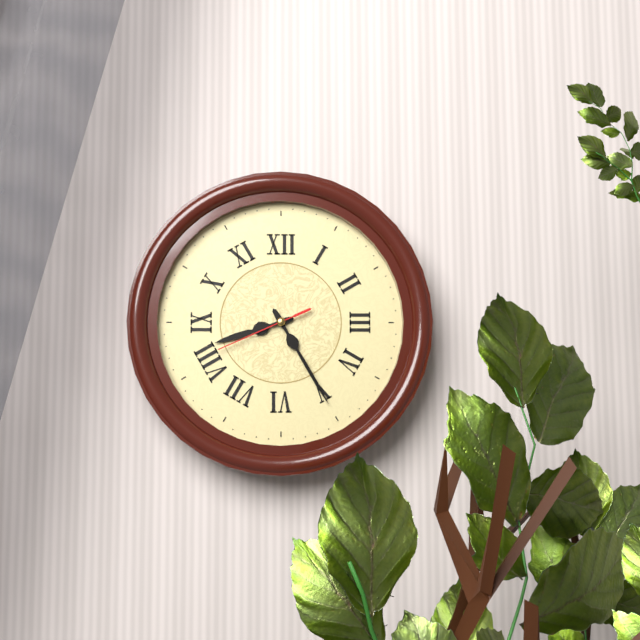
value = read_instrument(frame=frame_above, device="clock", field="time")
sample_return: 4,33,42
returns 8,25,41
